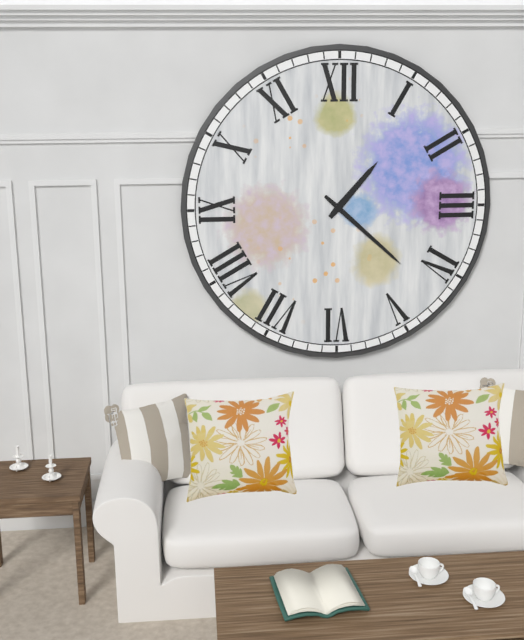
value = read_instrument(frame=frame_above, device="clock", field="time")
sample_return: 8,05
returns 1,22
